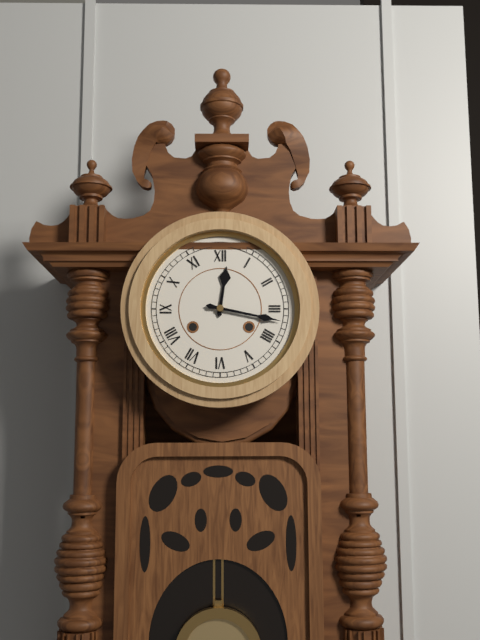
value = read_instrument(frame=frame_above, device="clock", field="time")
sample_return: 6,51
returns 12,17
